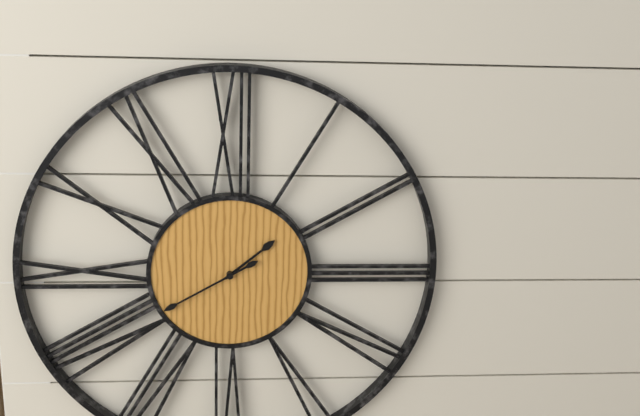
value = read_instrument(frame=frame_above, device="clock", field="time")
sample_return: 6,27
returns 1,40
